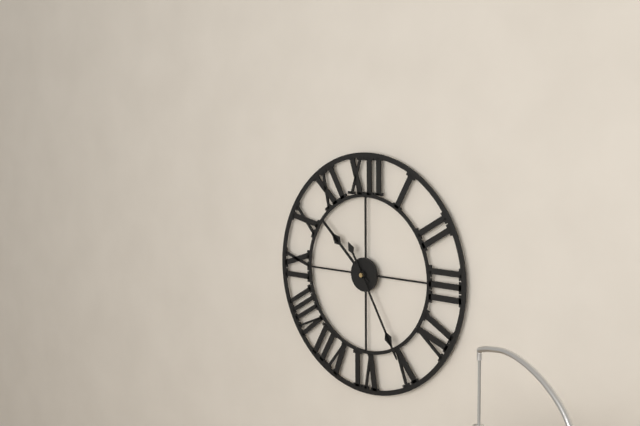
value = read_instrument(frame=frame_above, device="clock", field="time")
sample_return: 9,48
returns 10,25
